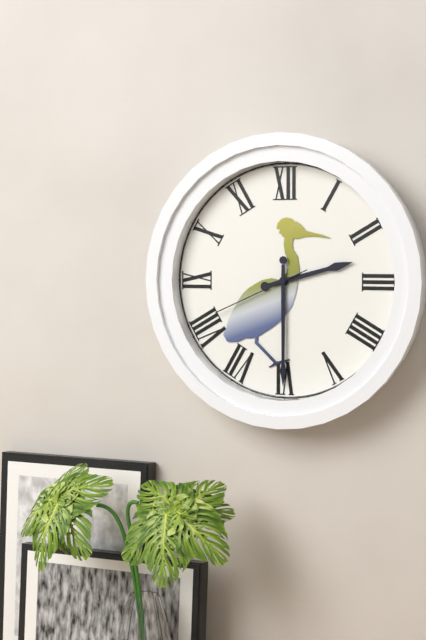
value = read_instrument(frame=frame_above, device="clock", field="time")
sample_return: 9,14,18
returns 2,30,41
